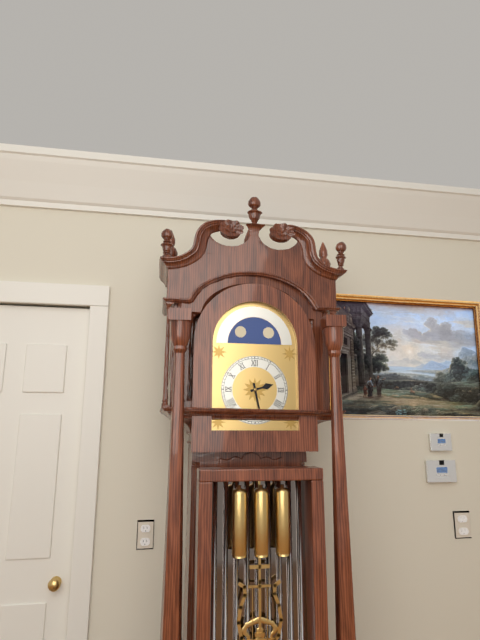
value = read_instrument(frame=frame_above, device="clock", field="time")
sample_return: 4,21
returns 2,28
